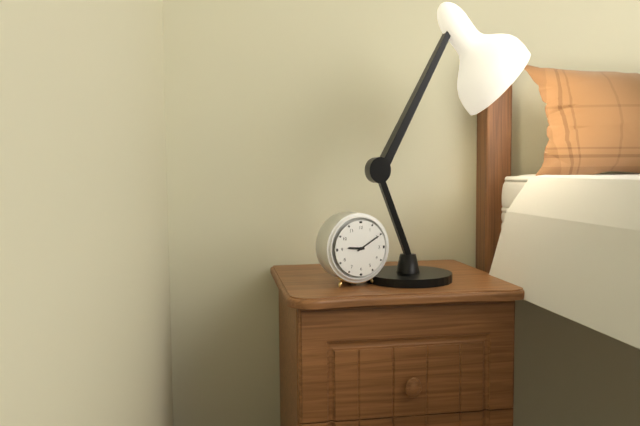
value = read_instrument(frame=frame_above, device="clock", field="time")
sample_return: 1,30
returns 9,10
